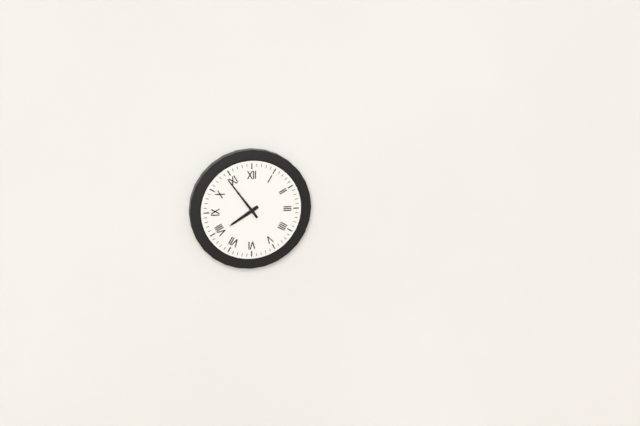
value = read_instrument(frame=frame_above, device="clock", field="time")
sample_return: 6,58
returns 7,54
